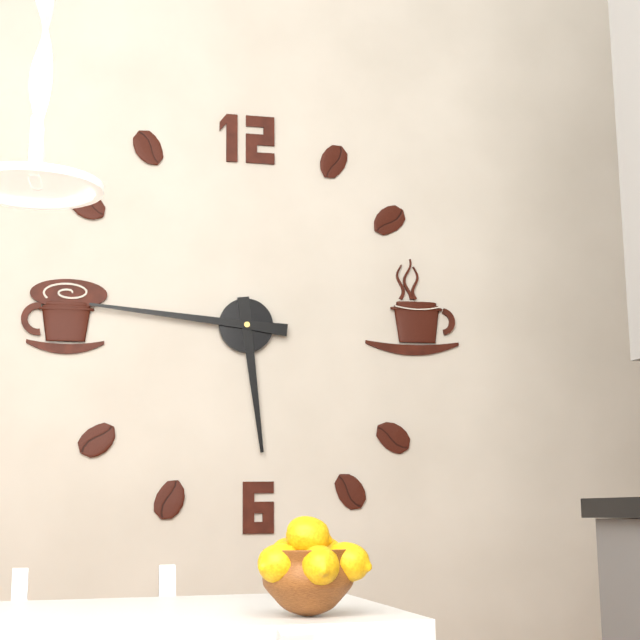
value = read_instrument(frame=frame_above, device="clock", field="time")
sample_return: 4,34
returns 5,46
